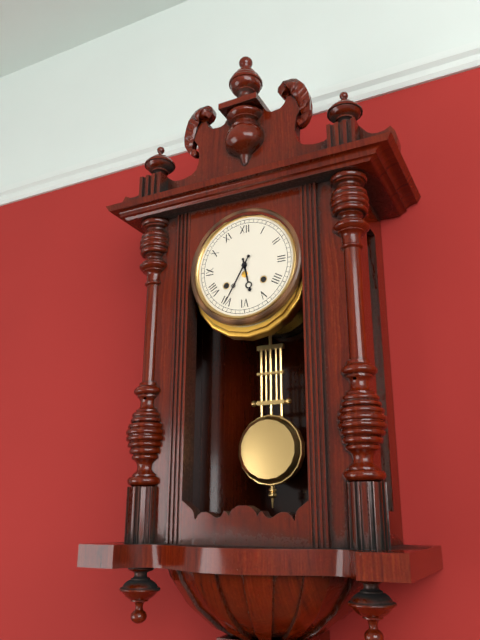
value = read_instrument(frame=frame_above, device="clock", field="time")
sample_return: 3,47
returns 5,35
